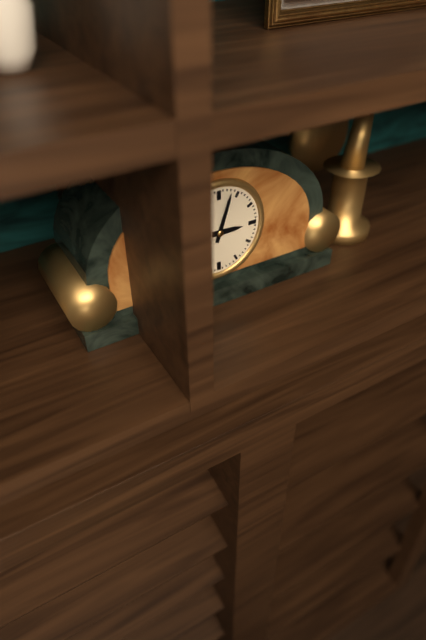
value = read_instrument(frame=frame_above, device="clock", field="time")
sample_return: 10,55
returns 3,03
